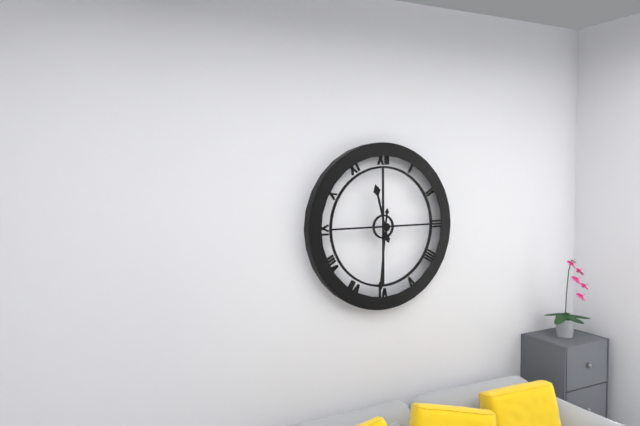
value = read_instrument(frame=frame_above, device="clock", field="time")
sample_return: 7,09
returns 11,31
